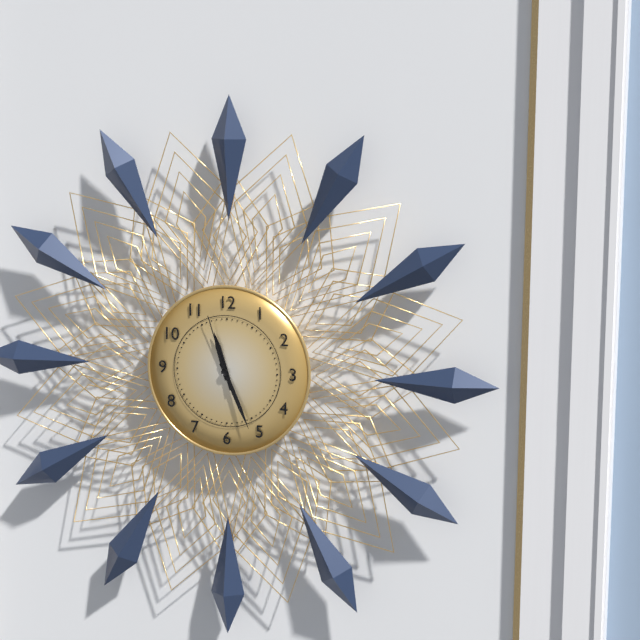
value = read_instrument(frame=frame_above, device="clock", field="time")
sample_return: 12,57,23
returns 11,26,57
